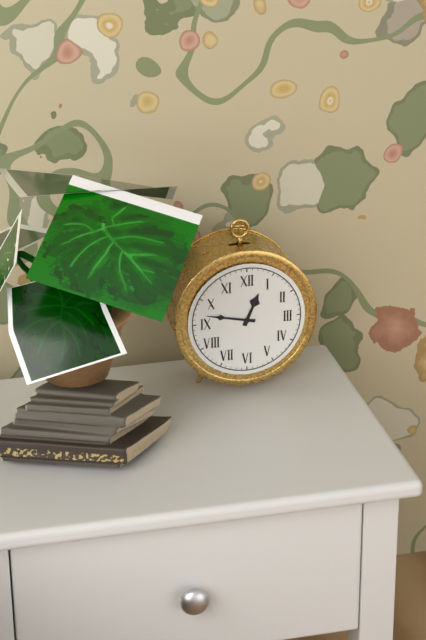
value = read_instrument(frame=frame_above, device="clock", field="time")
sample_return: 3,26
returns 12,47
